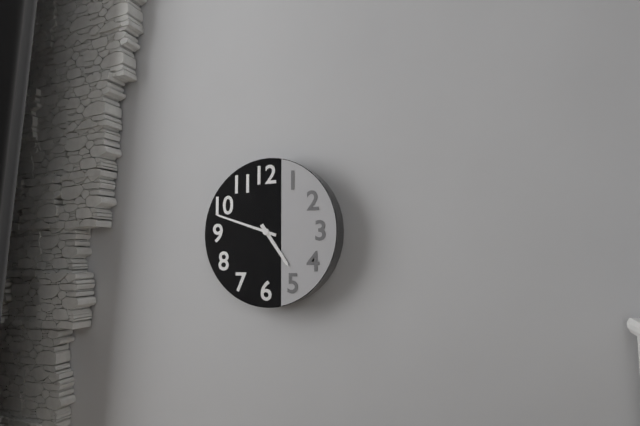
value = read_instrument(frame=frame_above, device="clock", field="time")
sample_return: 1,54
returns 4,48
